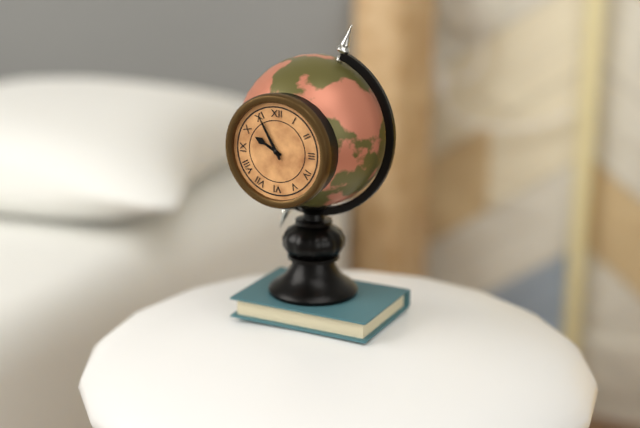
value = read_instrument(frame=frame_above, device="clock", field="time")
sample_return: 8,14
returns 9,55
